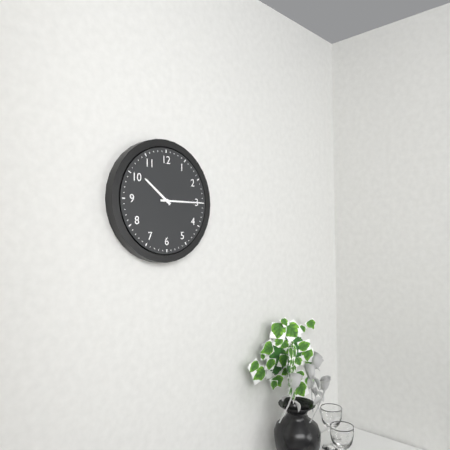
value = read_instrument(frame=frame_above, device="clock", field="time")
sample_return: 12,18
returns 10,15
